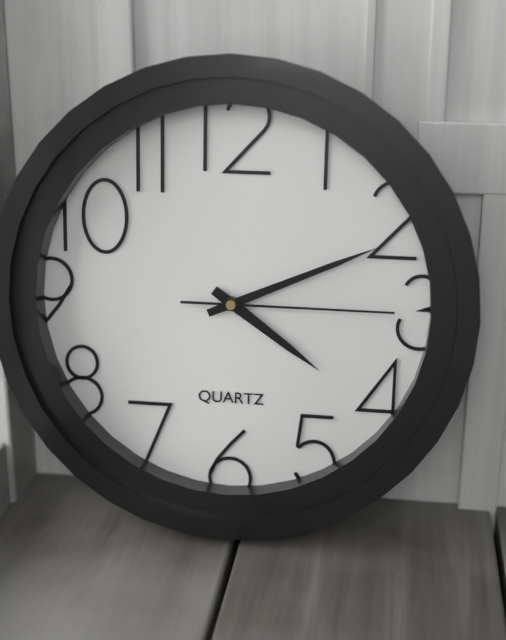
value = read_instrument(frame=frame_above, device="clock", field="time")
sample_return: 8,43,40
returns 4,11,15
